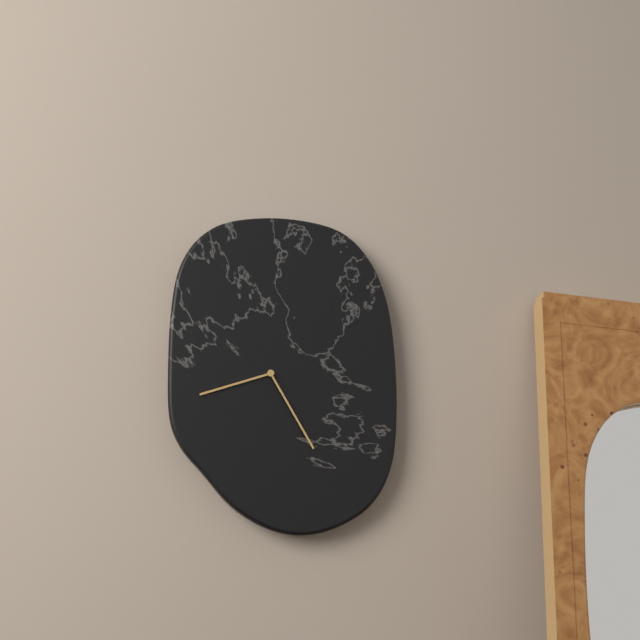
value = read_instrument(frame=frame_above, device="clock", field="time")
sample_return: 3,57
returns 8,25
